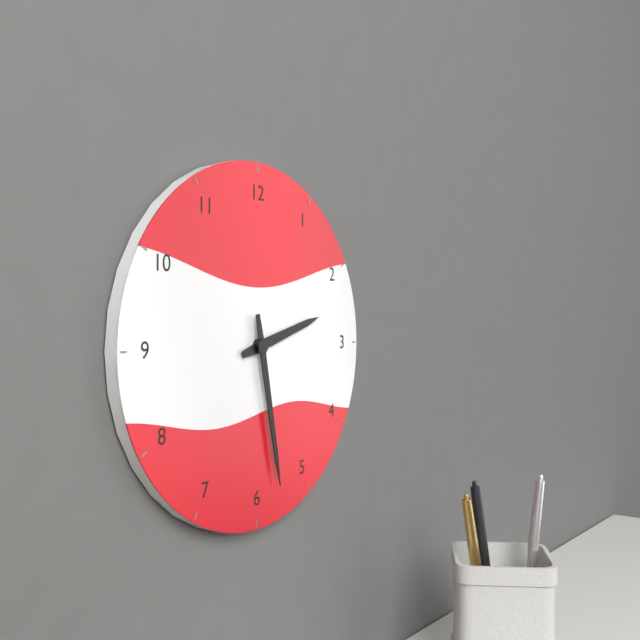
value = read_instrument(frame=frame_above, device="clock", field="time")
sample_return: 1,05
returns 2,28
